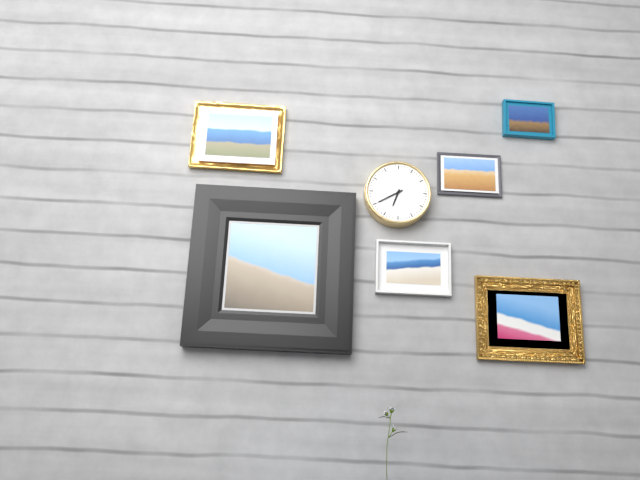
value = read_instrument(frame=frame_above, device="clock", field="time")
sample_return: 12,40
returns 6,40
